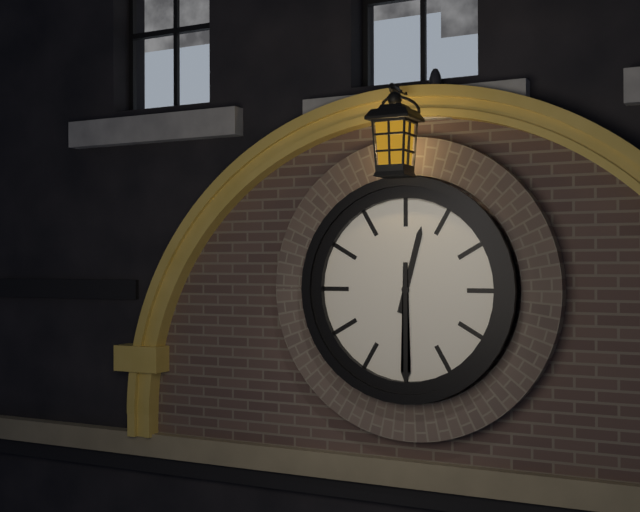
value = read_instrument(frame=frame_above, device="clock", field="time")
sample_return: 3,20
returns 12,30
